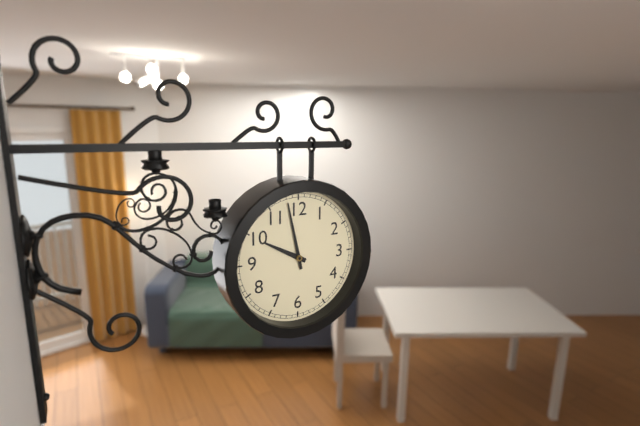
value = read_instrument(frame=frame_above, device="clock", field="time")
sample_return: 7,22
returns 9,58
